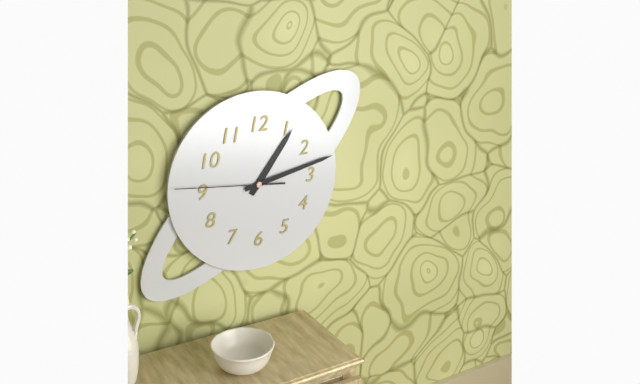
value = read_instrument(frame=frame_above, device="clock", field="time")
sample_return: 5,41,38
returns 1,13,46
